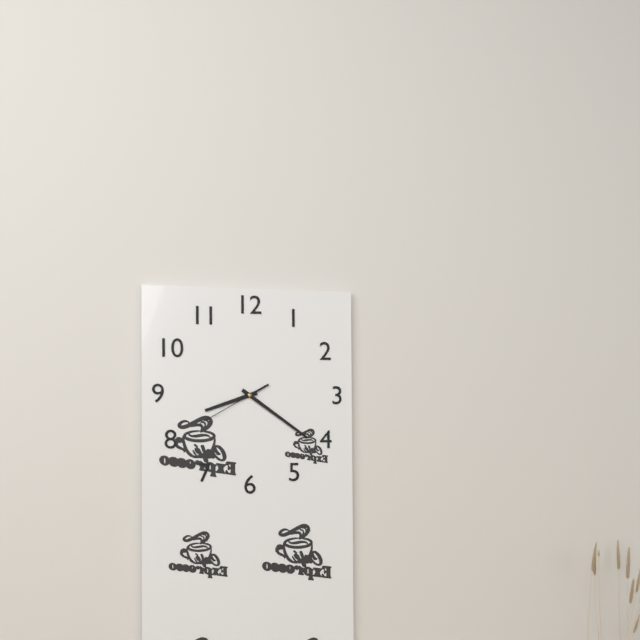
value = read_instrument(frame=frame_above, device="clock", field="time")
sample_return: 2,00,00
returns 8,21,40
